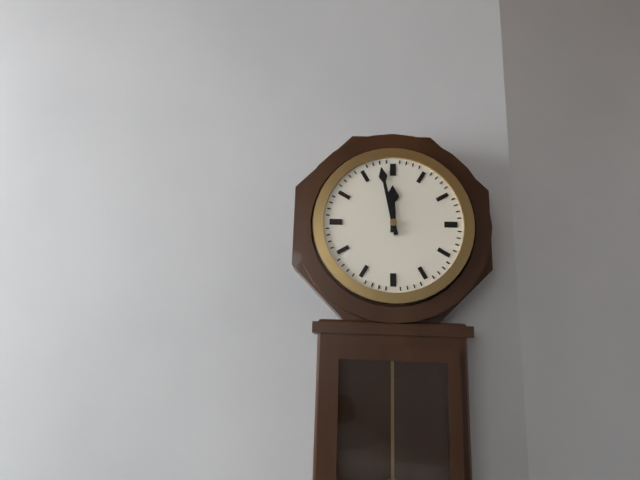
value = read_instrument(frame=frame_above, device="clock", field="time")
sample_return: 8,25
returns 11,58
